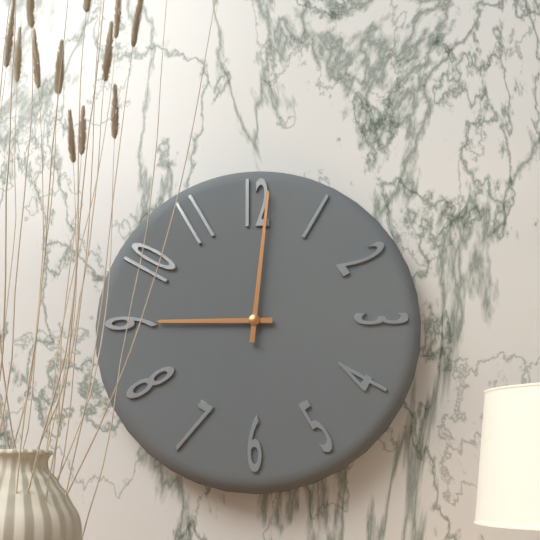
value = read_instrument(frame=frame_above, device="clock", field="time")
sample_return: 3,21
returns 9,01
